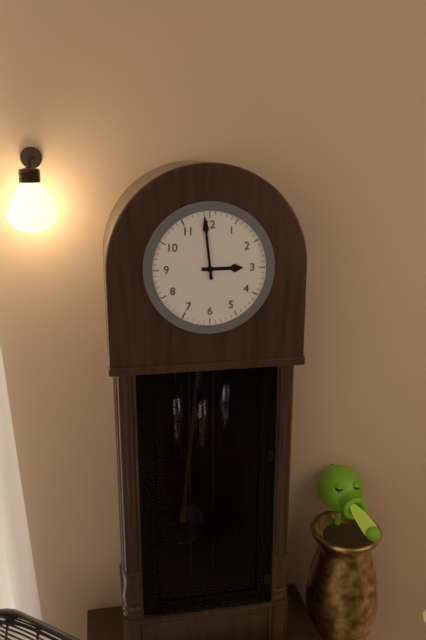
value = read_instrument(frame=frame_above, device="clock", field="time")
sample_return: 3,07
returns 2,59
